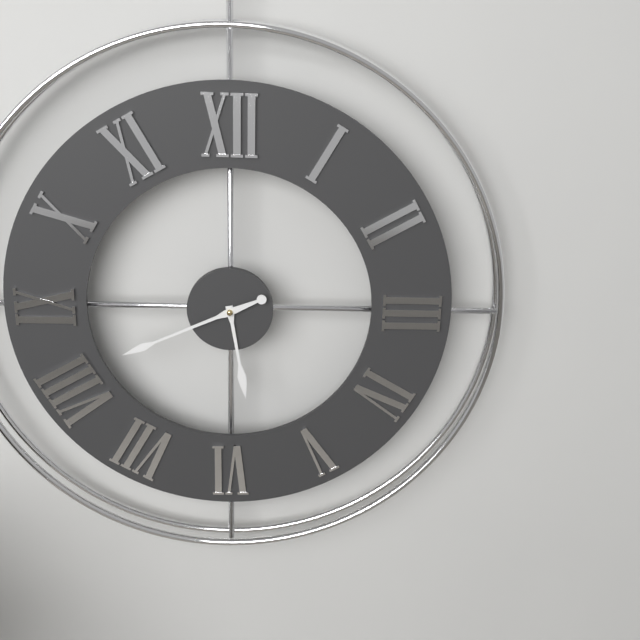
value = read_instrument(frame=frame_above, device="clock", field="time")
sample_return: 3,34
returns 5,41
